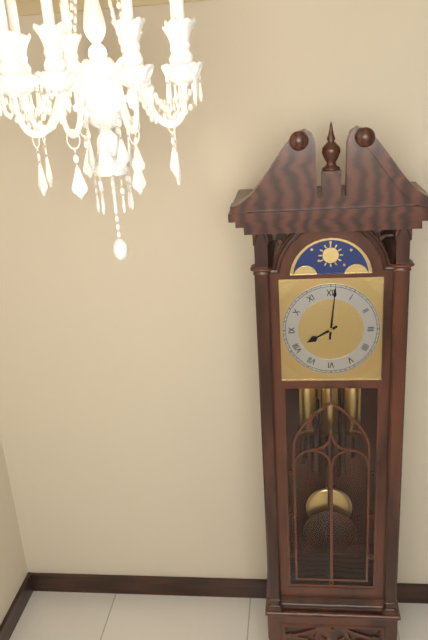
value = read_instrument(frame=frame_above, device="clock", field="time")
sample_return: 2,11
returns 8,01
